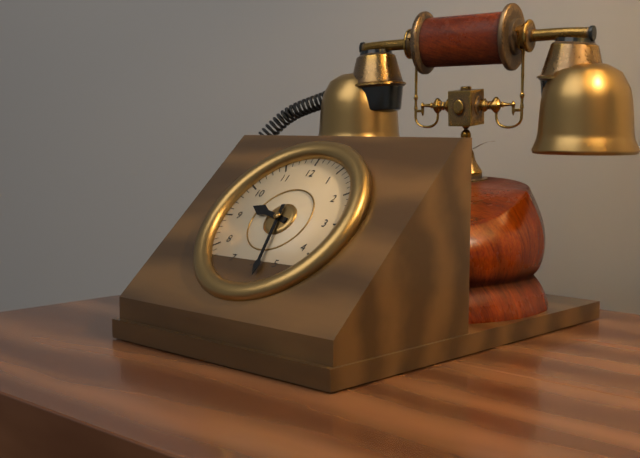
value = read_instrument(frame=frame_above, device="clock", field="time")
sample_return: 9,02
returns 9,28
